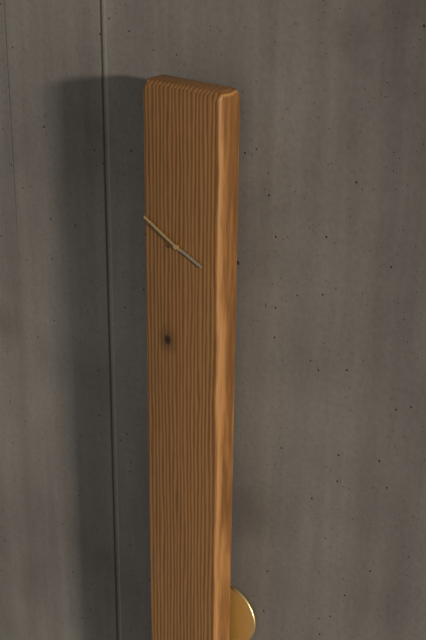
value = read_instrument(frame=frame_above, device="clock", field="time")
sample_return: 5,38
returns 3,50
